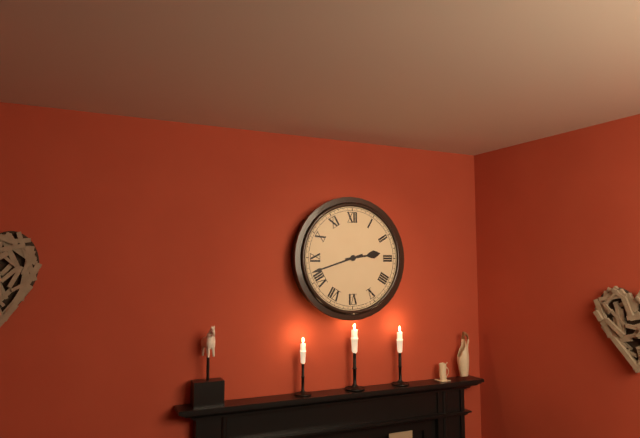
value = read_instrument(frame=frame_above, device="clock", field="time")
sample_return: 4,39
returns 2,42
